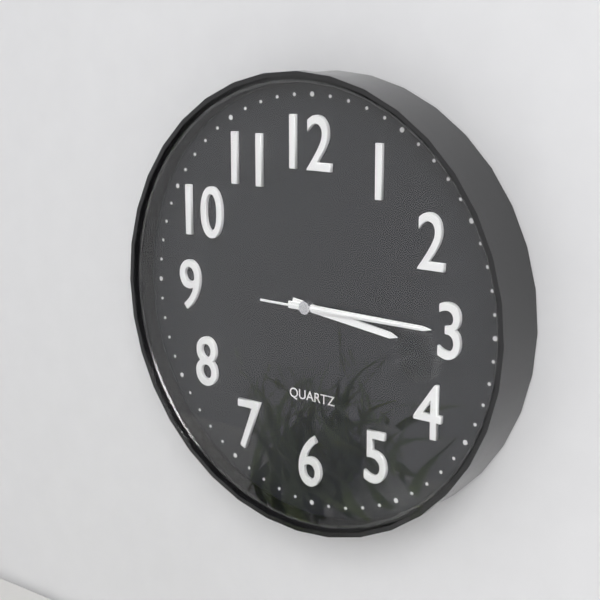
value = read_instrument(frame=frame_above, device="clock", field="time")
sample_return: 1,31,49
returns 3,15,15
